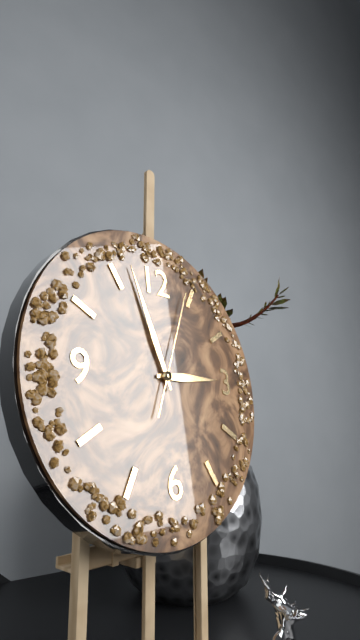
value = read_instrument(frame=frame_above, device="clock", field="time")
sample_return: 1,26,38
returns 2,57,04
